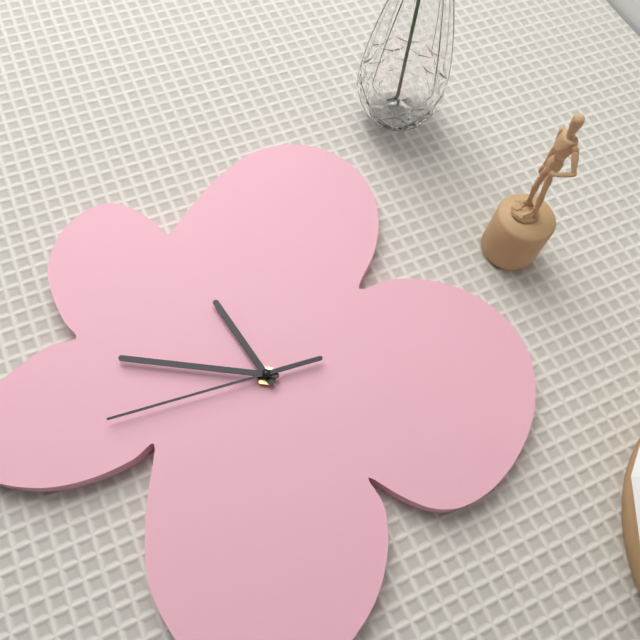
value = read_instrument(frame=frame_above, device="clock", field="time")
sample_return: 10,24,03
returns 9,40,36
